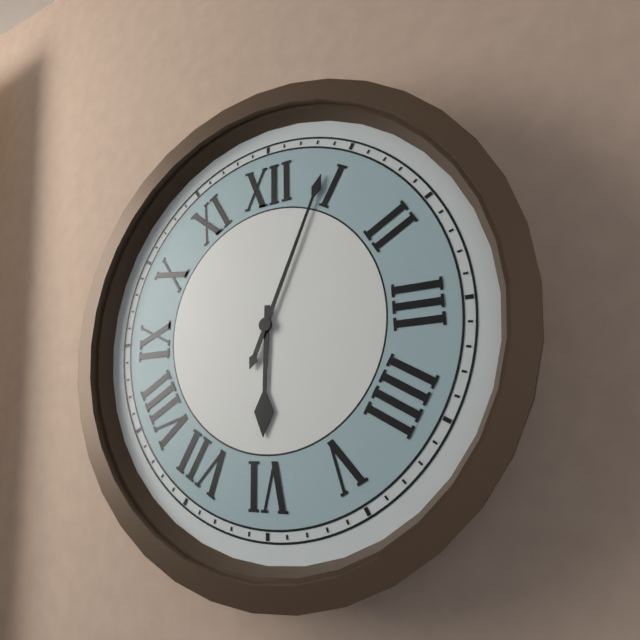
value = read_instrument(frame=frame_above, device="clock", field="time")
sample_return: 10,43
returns 6,04
